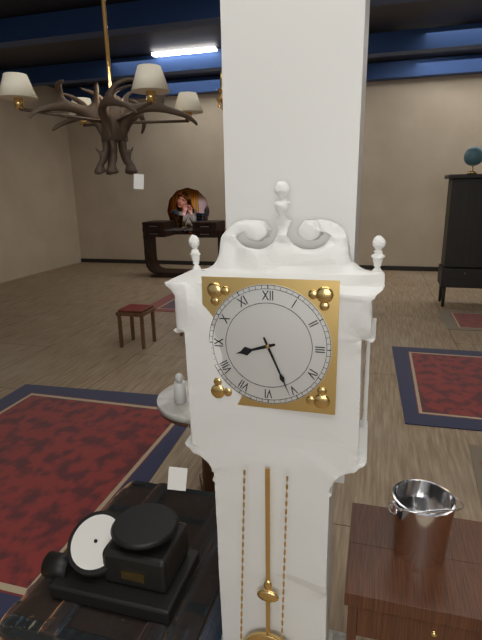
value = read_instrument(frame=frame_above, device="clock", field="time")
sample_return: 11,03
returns 8,26
